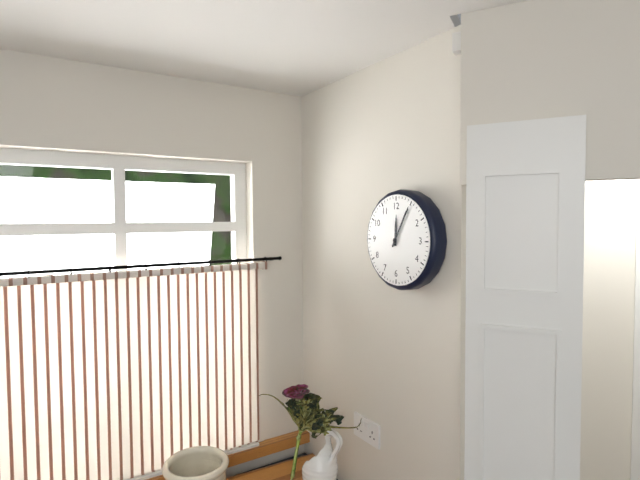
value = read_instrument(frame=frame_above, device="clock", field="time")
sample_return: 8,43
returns 12,05
